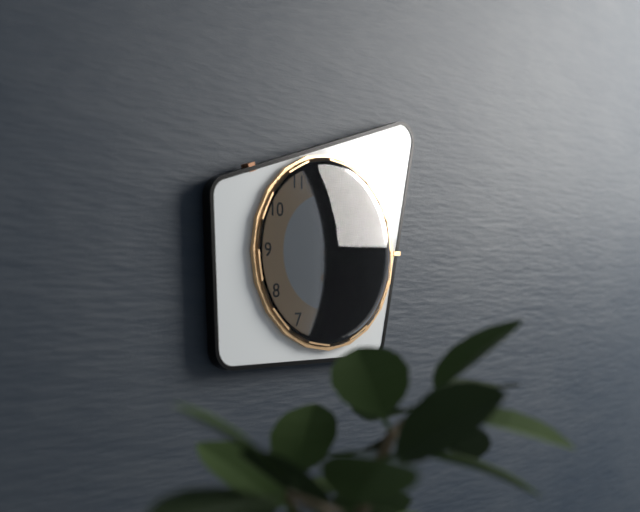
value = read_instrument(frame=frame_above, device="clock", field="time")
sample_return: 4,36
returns 6,05
